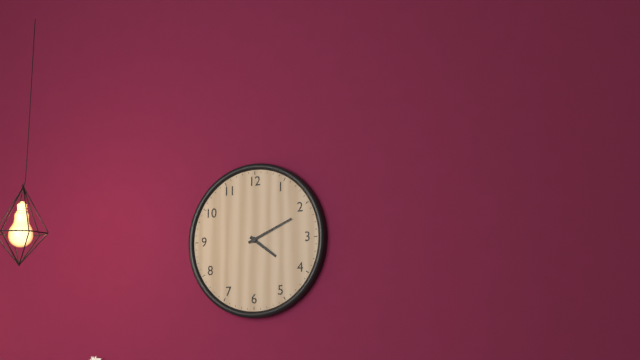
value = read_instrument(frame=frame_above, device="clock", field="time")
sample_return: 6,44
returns 4,11
